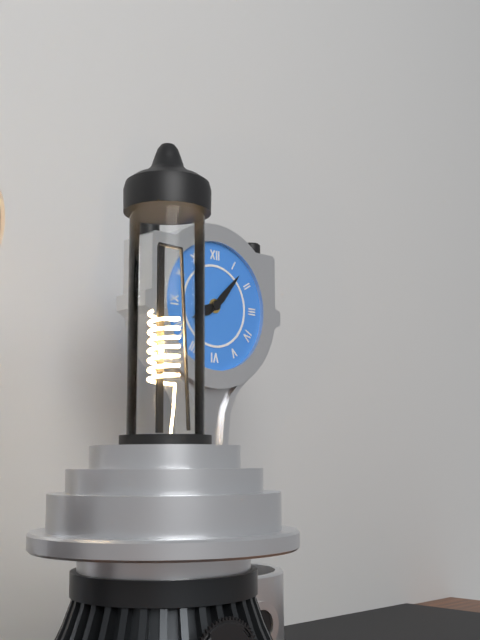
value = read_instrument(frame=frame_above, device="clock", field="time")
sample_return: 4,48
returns 8,07
